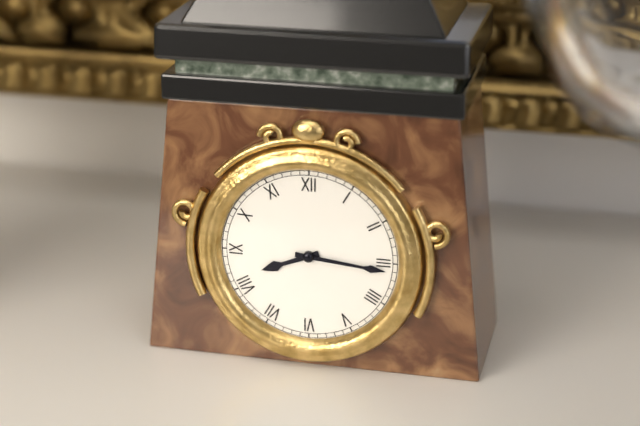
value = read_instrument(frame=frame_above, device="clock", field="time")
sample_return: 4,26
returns 8,16
